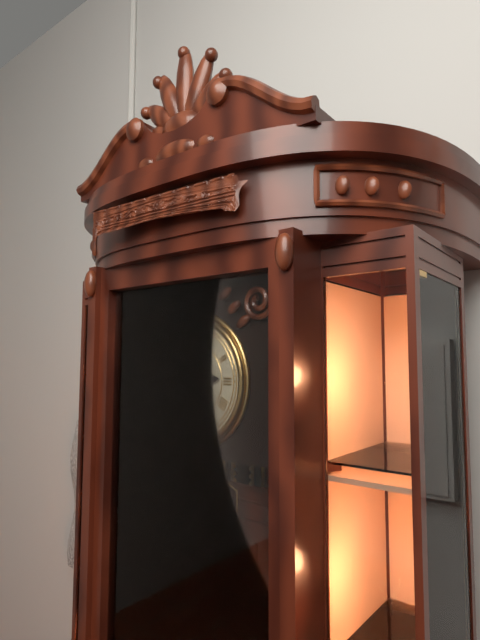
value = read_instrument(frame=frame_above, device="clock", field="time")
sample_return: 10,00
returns 2,52
